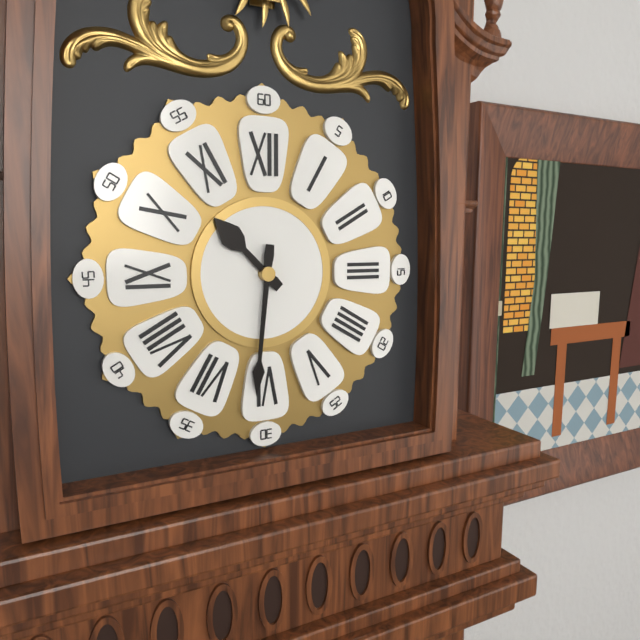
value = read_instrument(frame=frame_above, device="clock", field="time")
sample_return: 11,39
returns 10,31
